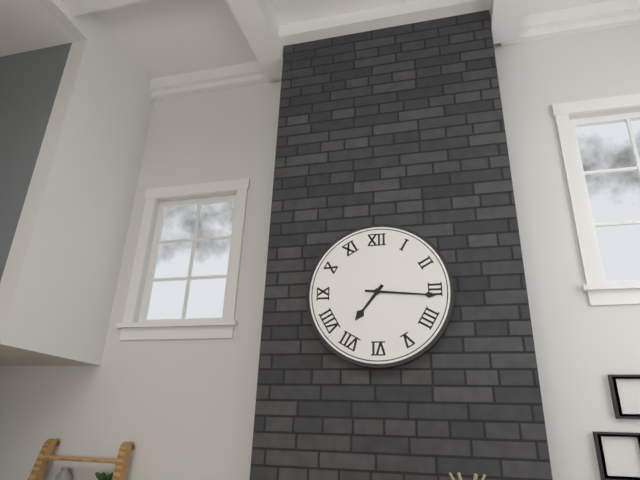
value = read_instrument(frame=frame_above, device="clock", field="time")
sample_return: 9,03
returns 7,16
